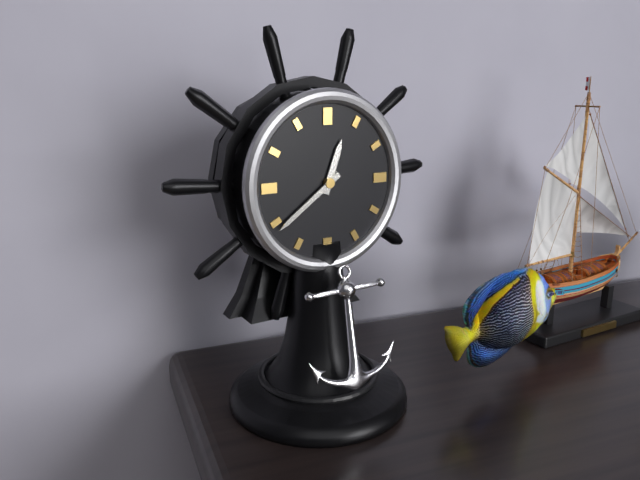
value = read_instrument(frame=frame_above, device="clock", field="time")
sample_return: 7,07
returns 12,39
